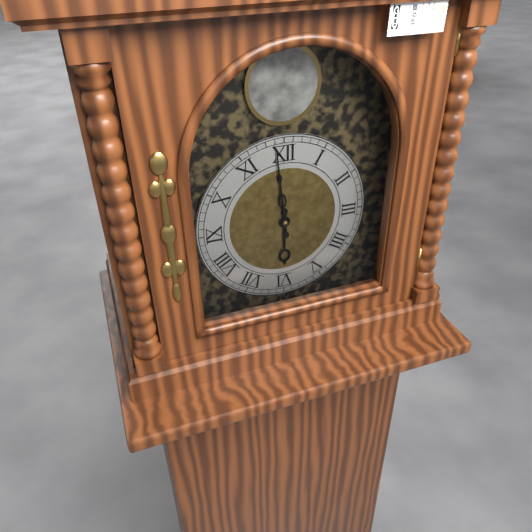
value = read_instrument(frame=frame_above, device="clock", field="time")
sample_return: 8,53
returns 5,59
